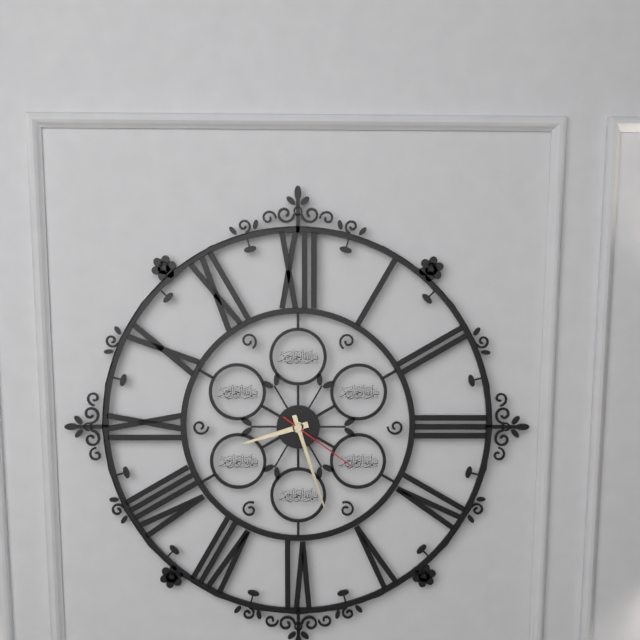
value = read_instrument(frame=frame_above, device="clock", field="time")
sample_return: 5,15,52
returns 8,27,21
